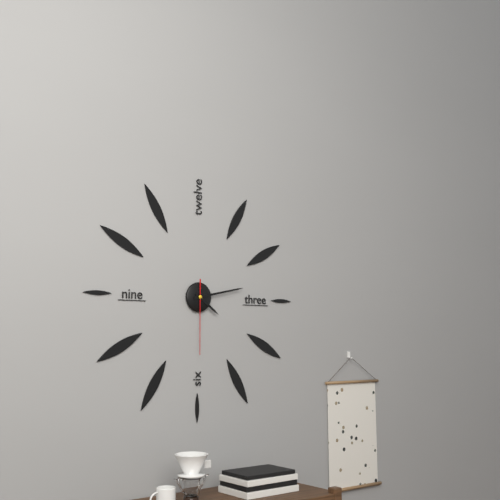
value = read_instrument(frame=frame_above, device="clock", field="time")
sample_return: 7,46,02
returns 4,13,30
